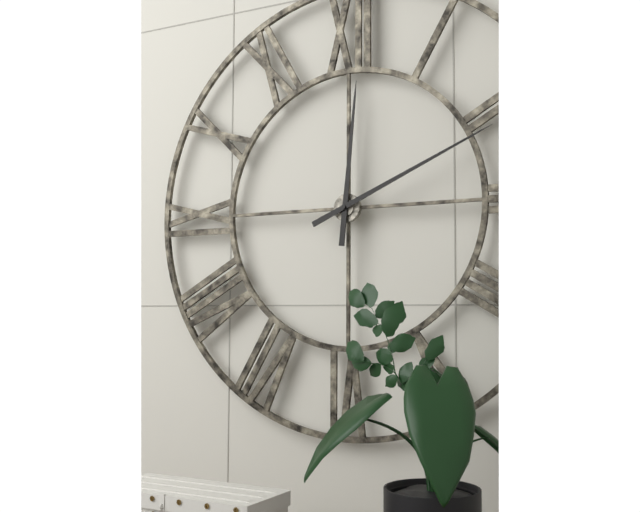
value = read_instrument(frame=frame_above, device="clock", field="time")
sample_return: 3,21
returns 12,11
